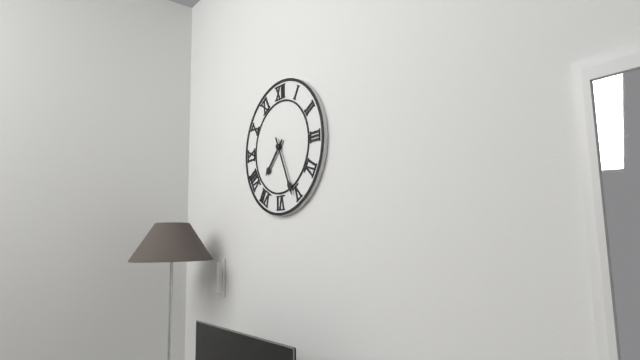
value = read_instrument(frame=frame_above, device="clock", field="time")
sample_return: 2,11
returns 7,26
